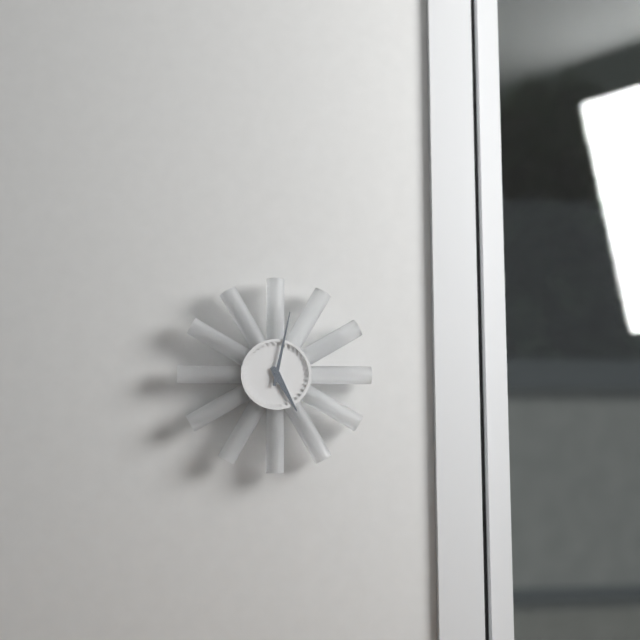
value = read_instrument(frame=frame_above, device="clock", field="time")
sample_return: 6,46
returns 5,02
